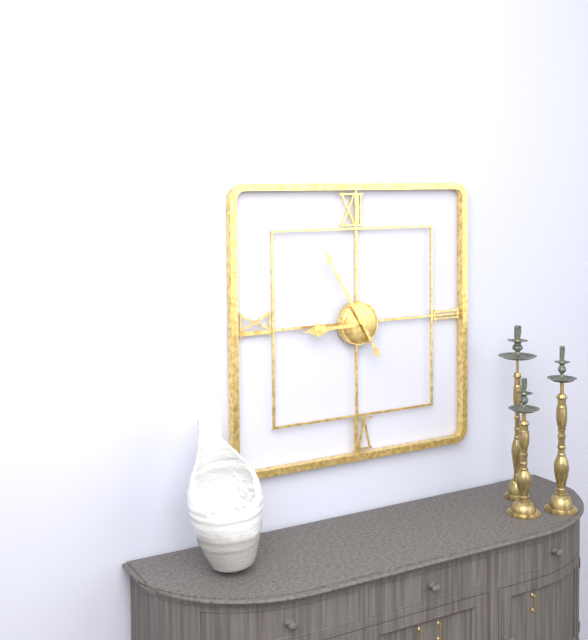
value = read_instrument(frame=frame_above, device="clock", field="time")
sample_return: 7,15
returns 8,55
